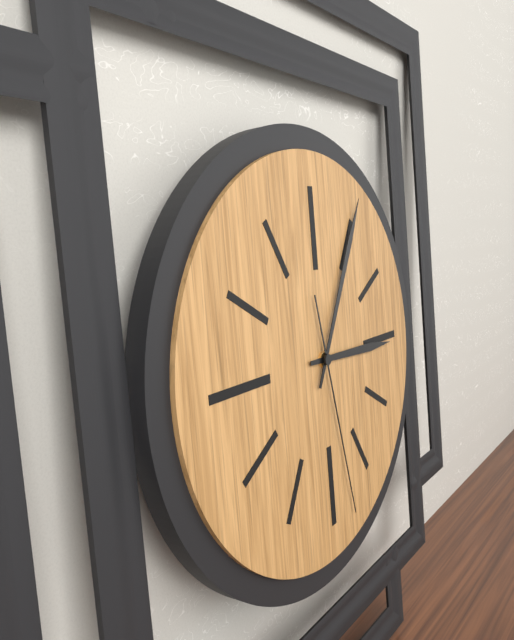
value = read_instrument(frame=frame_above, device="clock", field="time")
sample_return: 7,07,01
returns 3,05,28
